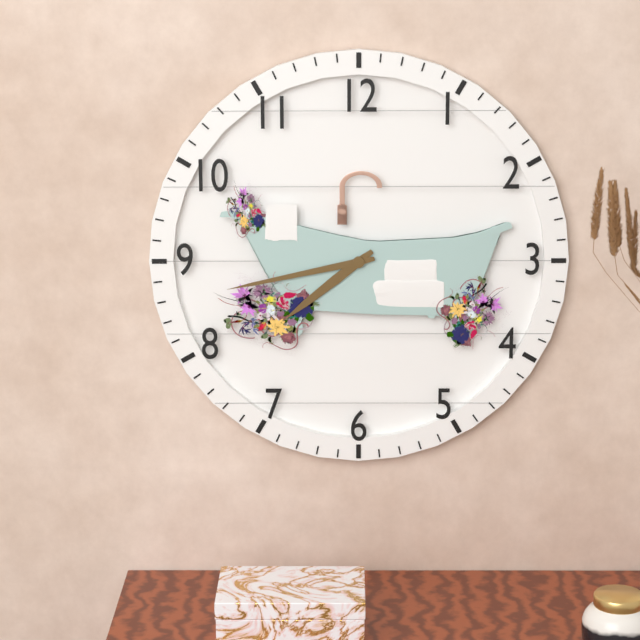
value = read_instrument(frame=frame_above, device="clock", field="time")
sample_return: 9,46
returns 7,43
